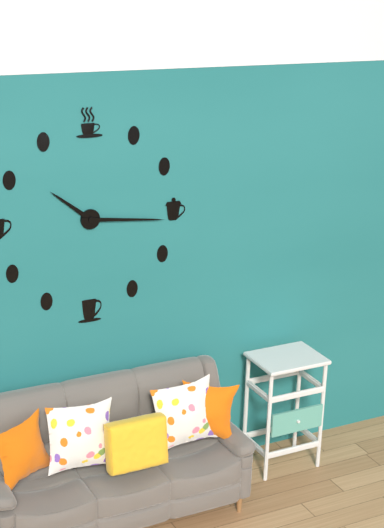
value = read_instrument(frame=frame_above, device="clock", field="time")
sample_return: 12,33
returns 10,16
